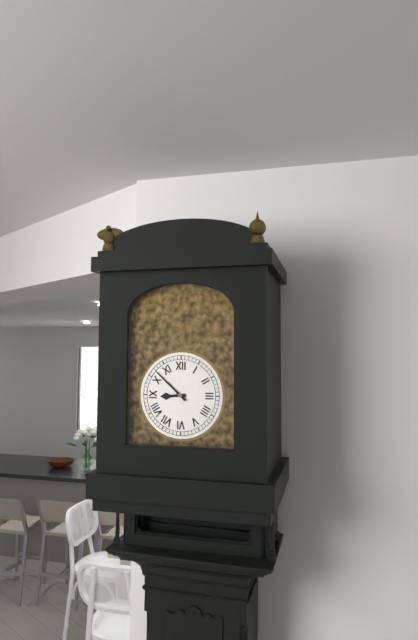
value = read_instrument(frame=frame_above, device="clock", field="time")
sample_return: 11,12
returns 8,52
